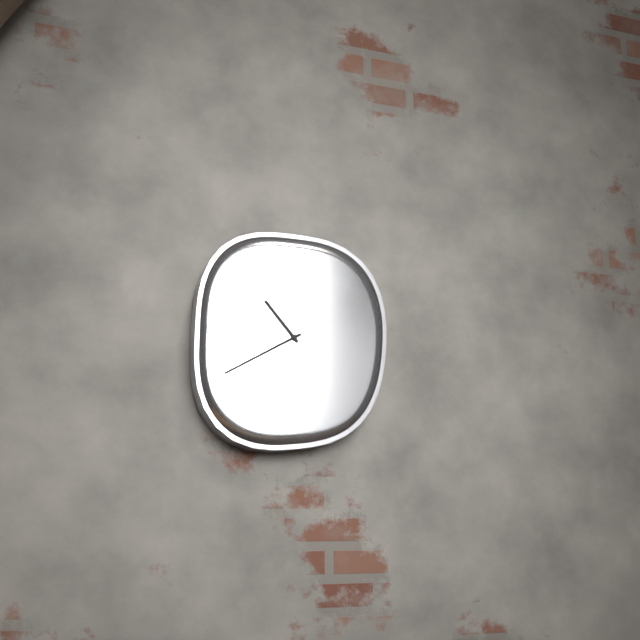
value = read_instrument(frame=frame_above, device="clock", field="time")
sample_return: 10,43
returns 10,40
